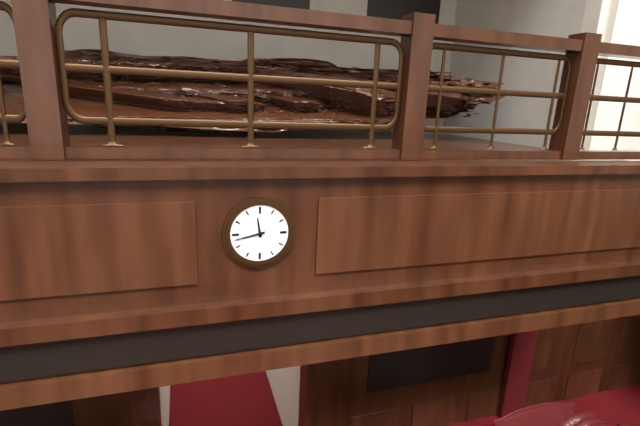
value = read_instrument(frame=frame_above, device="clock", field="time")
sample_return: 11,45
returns 11,43
